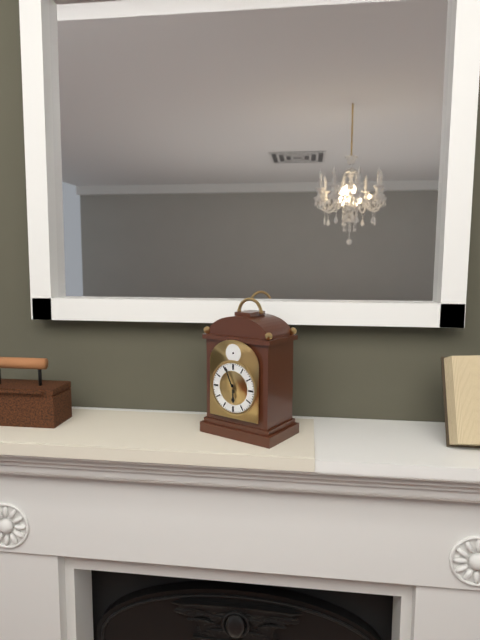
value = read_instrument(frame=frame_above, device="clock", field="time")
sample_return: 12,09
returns 5,56
